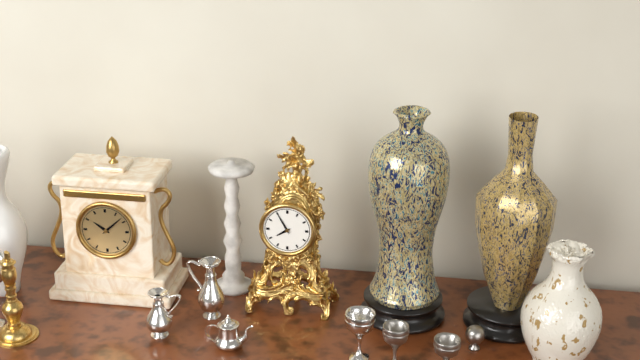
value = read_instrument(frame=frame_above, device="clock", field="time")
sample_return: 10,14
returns 7,55
